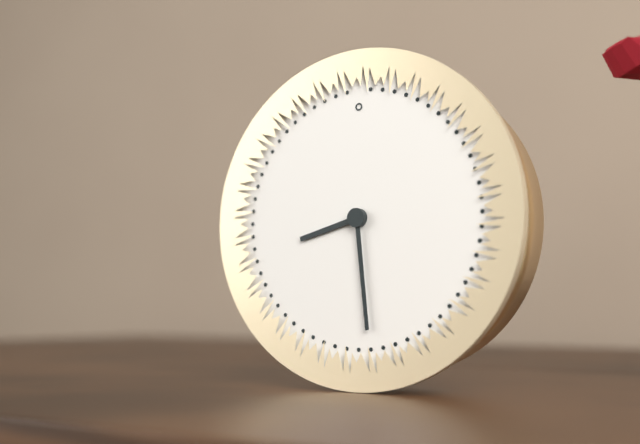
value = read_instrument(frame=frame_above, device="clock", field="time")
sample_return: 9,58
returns 8,29
